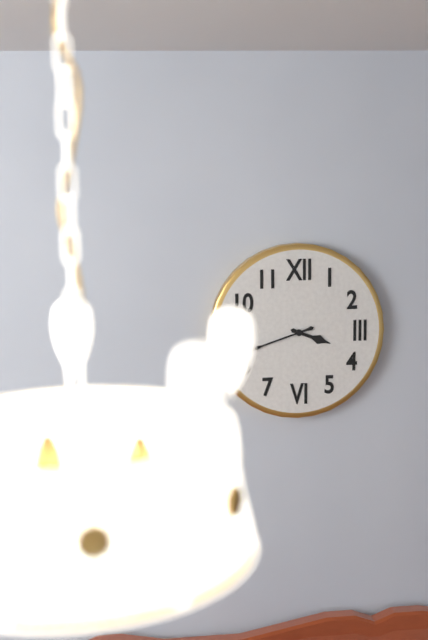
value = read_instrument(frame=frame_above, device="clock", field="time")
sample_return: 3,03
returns 3,42
